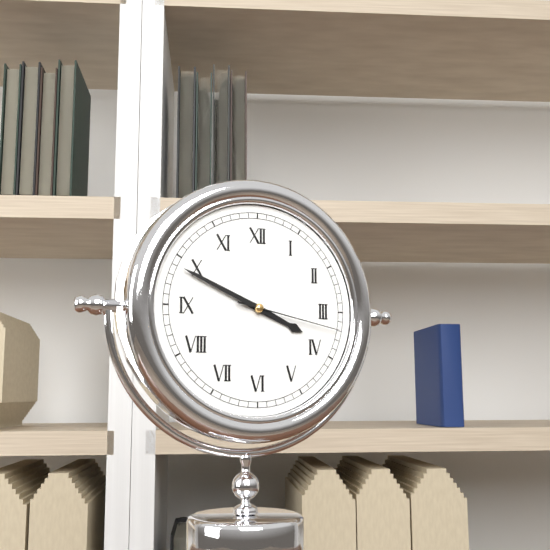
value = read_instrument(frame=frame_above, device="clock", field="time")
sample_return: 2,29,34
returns 3,49,17
